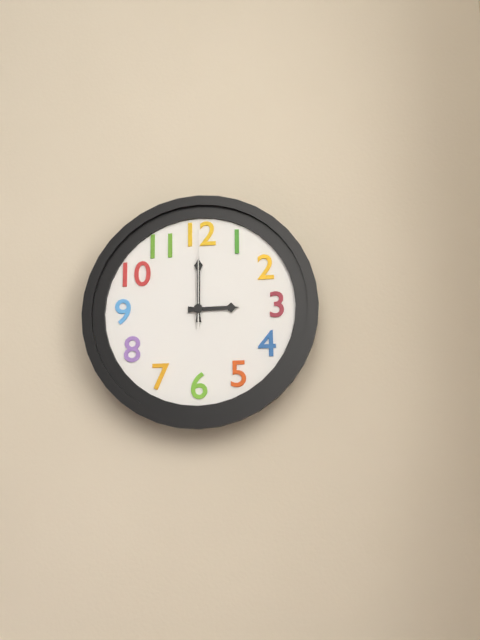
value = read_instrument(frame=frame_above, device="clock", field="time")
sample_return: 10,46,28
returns 3,00,00
